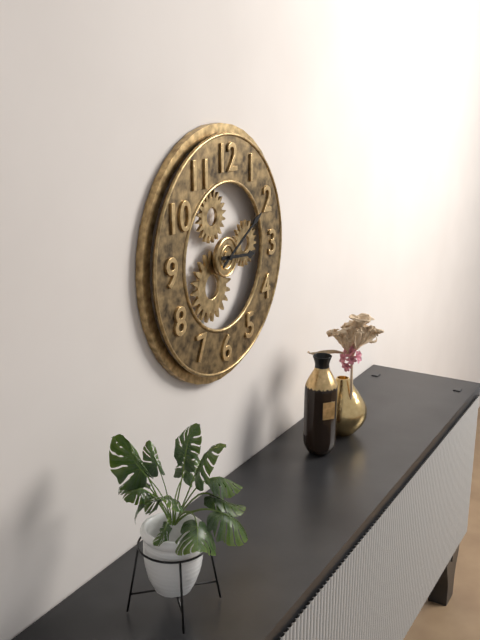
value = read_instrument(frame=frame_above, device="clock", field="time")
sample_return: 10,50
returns 3,10
